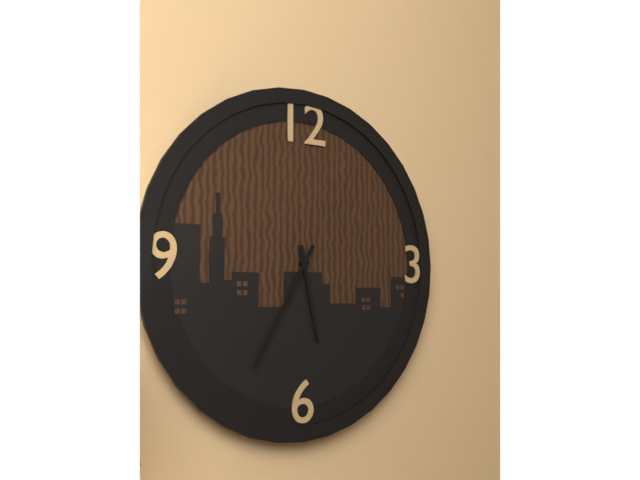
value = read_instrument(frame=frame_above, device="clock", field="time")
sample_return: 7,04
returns 5,35
